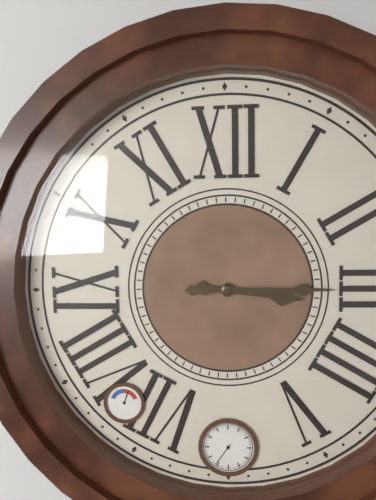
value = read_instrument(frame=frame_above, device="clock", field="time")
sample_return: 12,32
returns 3,15
